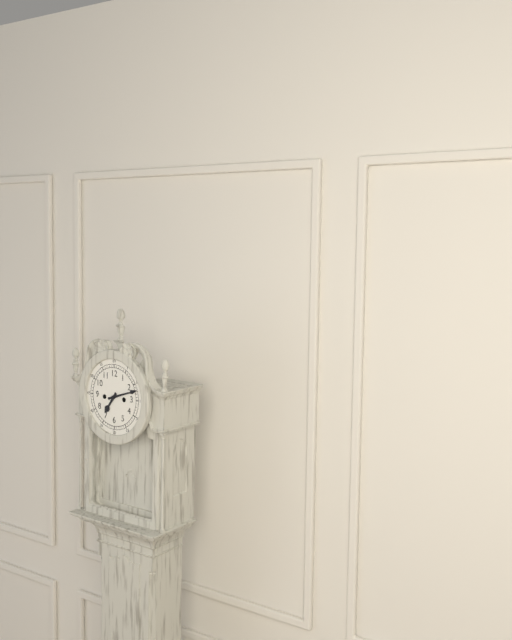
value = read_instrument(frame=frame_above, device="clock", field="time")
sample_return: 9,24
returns 7,12
